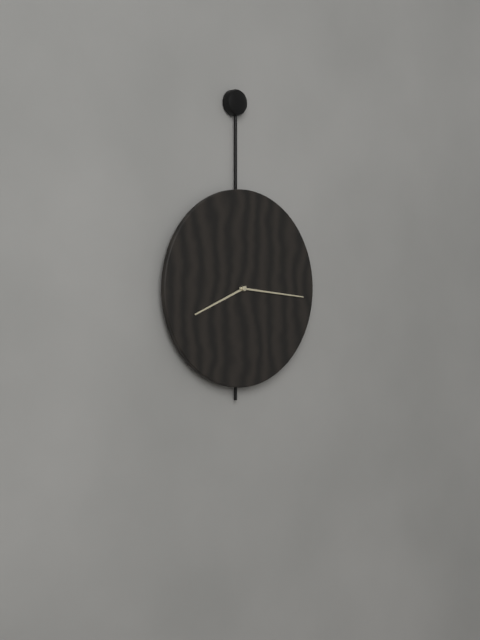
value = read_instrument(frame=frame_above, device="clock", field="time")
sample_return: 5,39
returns 8,16
